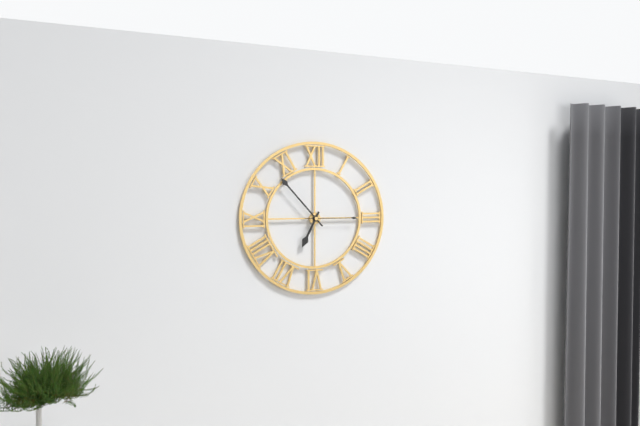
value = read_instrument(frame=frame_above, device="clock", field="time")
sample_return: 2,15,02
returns 6,53,15
